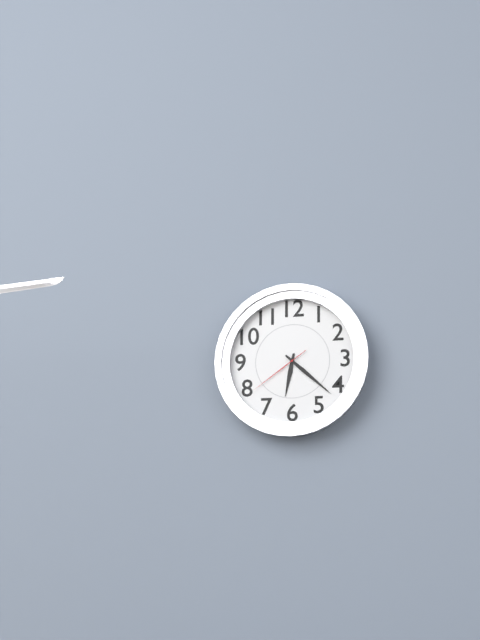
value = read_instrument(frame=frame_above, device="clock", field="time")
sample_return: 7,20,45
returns 6,22,39
